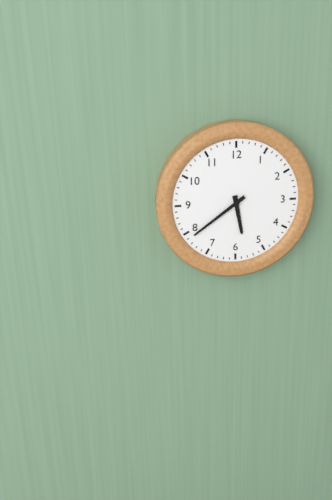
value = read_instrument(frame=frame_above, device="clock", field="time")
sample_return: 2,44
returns 5,39
